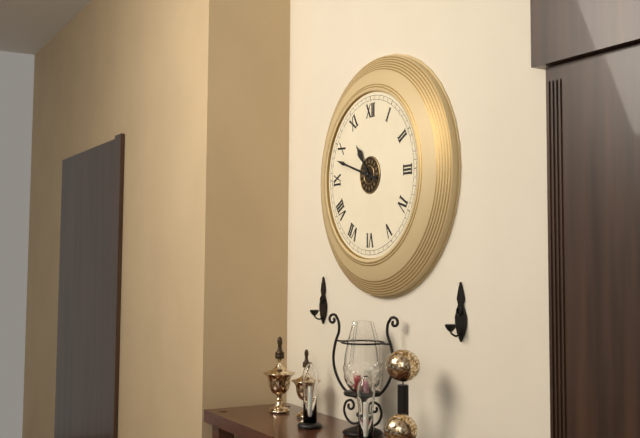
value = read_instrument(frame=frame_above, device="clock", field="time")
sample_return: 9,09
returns 10,48
